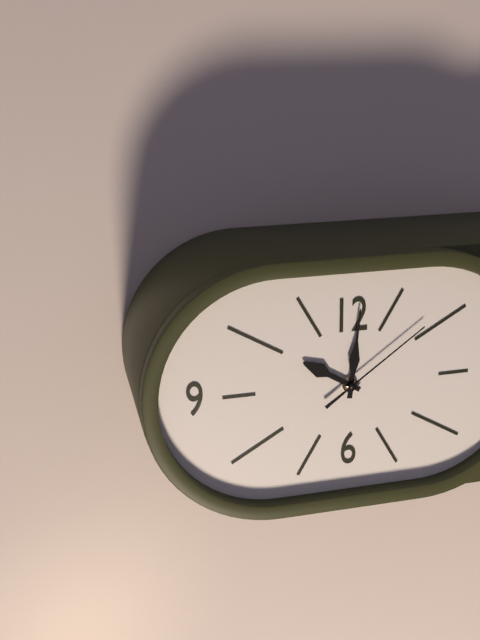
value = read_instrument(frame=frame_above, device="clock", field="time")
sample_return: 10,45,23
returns 10,01,09
